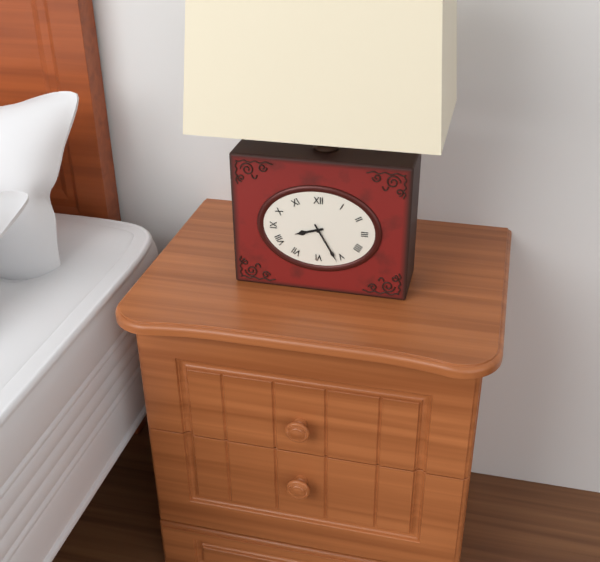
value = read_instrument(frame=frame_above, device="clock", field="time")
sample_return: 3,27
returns 8,25
